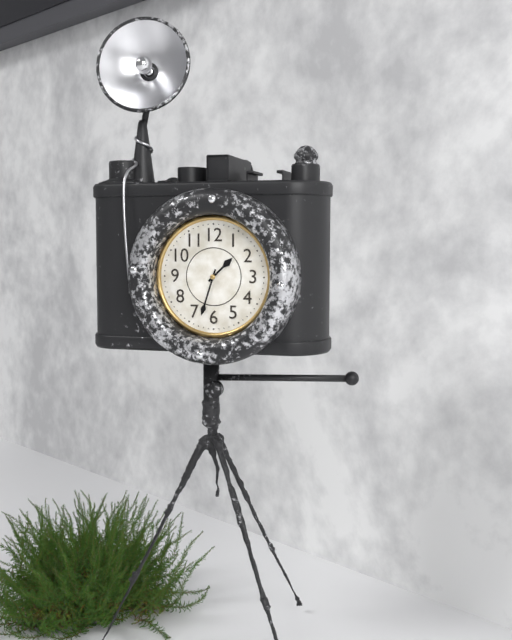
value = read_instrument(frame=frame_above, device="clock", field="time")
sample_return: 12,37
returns 1,33
